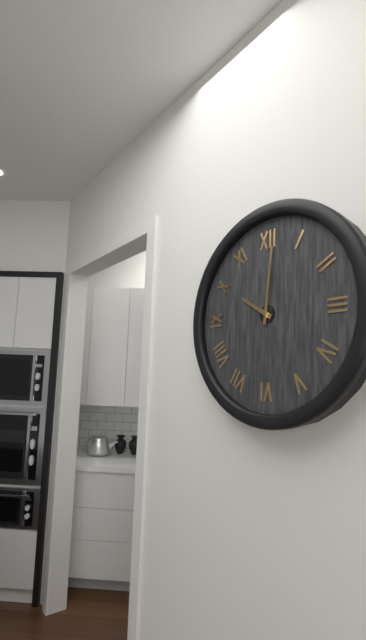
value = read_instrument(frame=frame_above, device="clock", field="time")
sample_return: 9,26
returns 10,01
